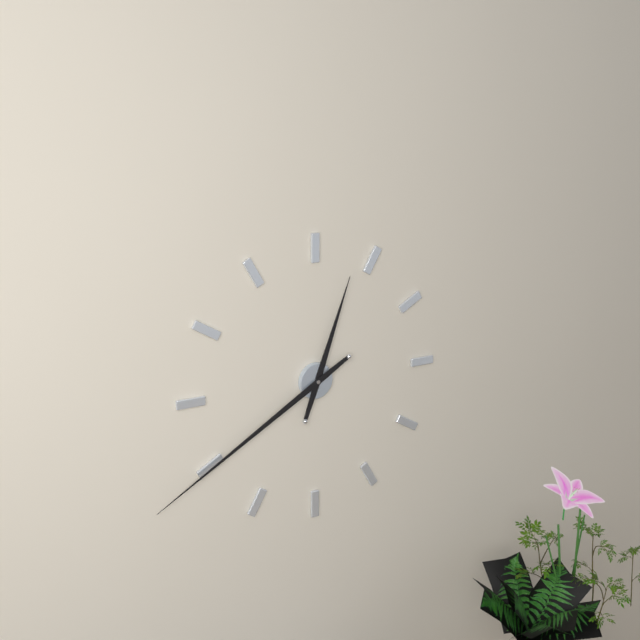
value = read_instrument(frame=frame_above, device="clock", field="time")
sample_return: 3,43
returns 12,40
